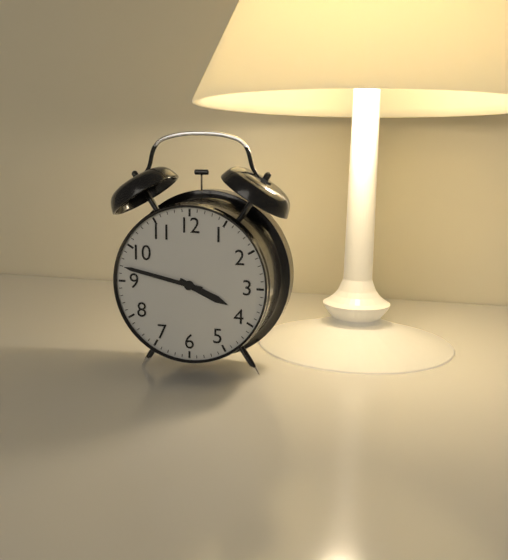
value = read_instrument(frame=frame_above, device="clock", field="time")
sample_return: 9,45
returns 3,47
